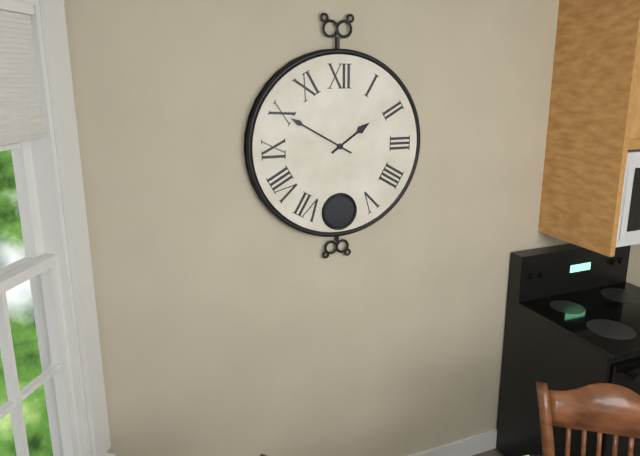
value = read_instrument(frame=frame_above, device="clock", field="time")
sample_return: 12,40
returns 1,50
